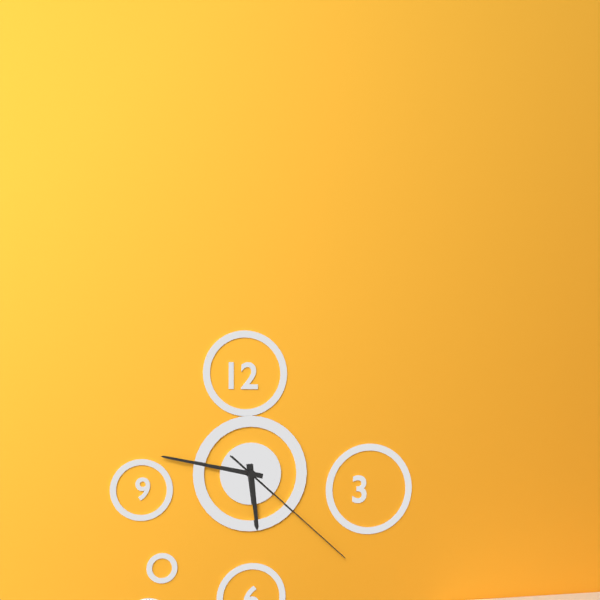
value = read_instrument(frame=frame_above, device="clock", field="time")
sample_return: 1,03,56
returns 5,47,22
